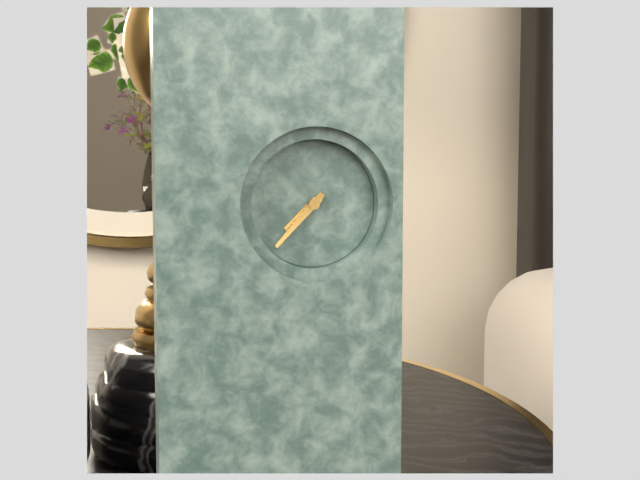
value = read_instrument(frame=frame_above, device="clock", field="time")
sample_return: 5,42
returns 7,37
